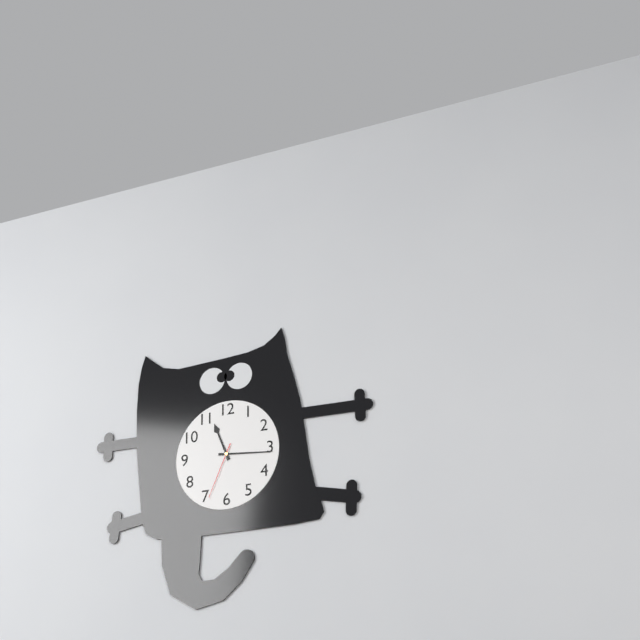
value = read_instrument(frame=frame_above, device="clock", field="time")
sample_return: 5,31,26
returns 11,16,34
